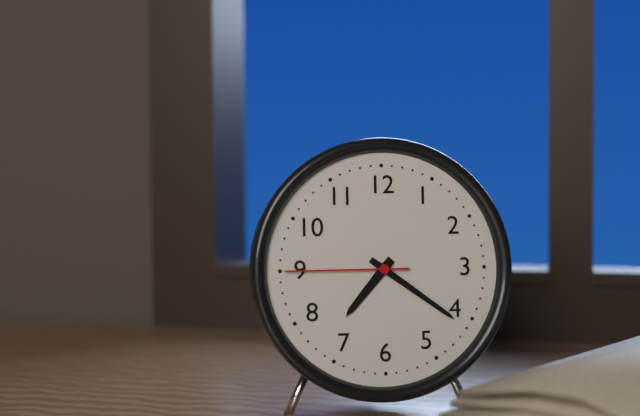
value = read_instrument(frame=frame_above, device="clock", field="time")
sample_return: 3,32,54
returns 7,21,45
